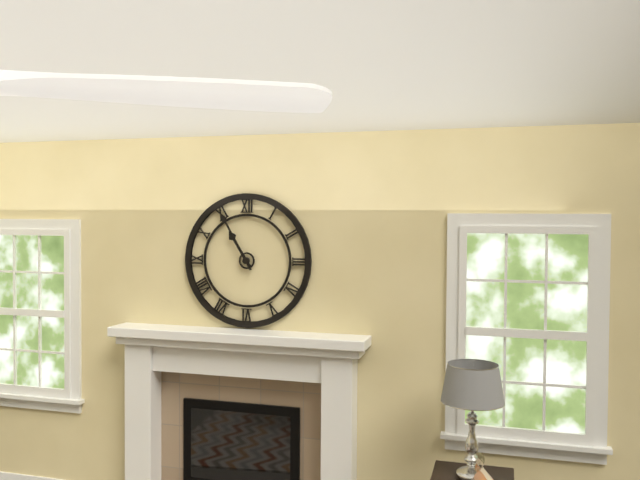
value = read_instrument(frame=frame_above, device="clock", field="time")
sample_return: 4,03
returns 10,55
